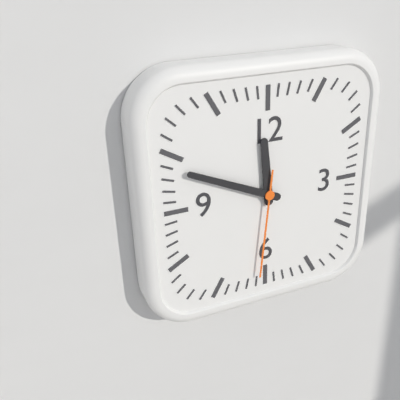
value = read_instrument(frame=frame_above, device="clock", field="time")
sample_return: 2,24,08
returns 11,49,31
